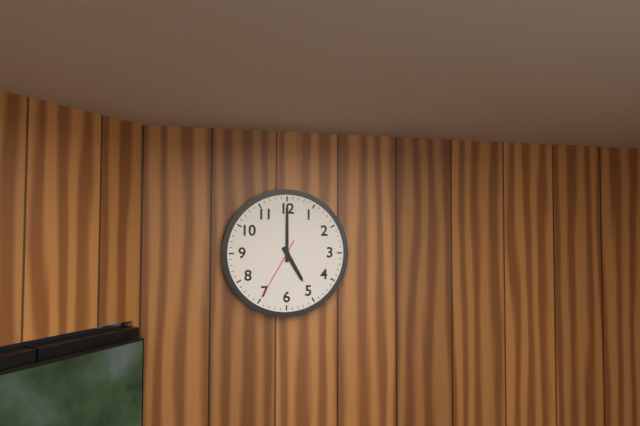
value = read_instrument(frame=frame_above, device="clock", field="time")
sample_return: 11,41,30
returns 5,00,35
